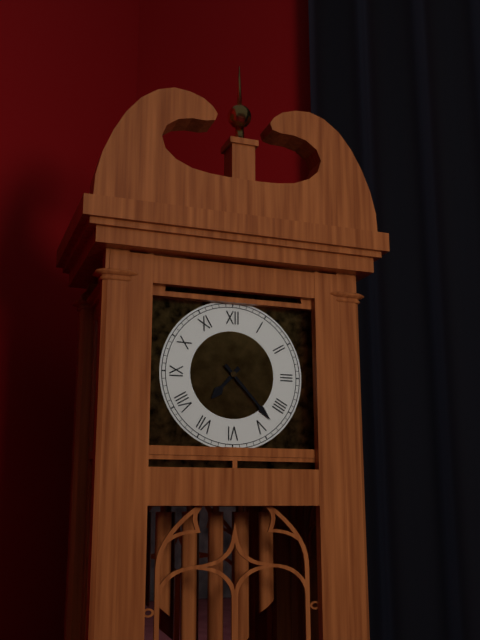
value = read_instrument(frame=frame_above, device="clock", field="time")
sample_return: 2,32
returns 7,23
